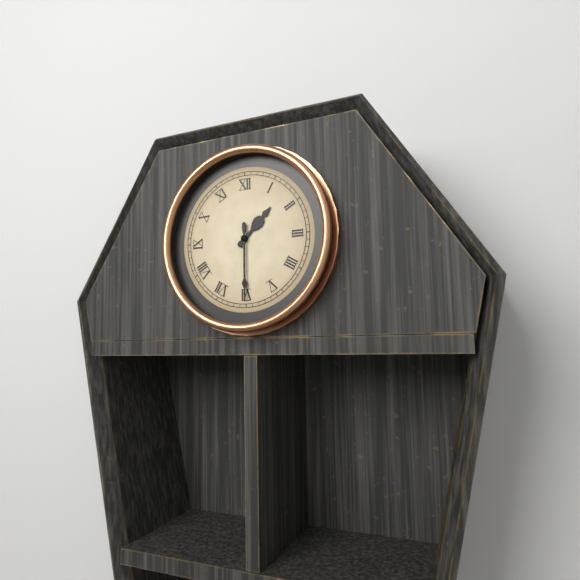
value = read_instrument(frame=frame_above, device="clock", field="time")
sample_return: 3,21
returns 1,30
